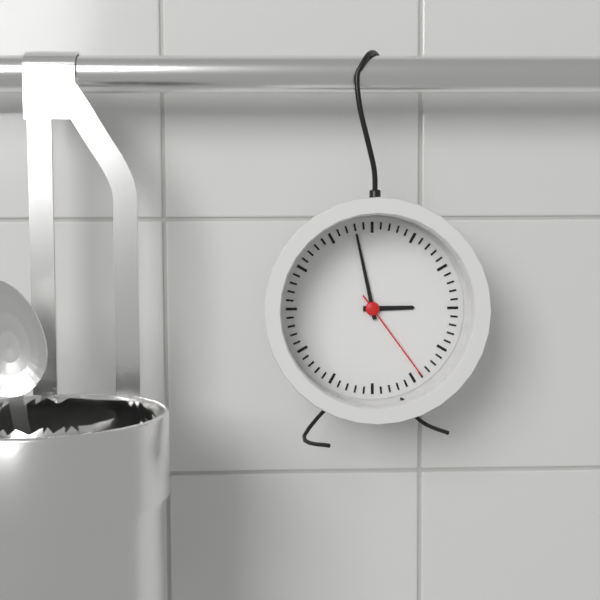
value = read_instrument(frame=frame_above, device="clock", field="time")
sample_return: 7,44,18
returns 2,58,24
